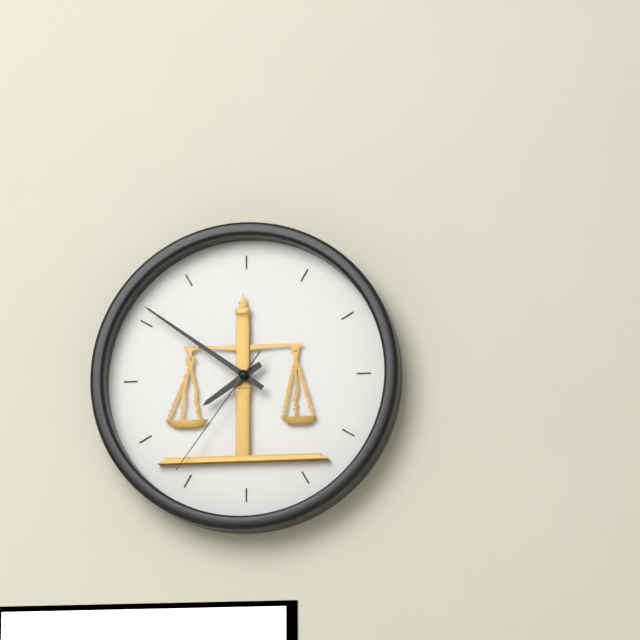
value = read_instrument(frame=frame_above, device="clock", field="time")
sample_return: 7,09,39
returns 7,51,36
